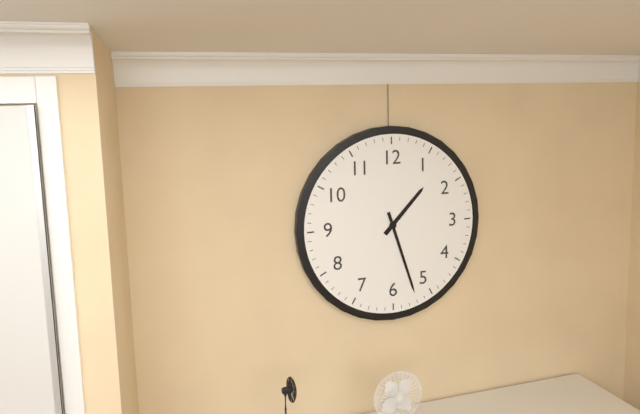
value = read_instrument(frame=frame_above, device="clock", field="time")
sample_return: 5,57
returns 1,27
